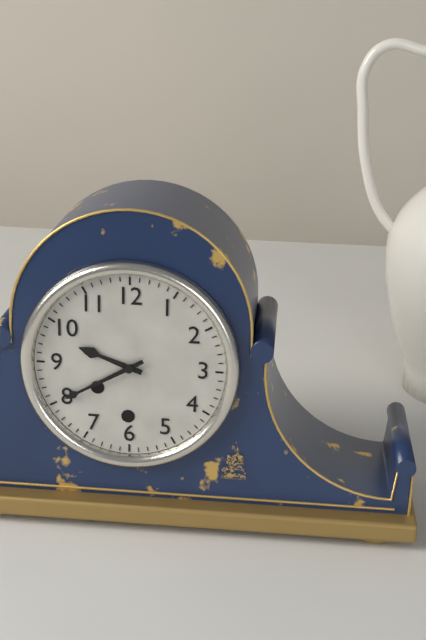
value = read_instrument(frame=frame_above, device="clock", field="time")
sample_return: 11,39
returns 9,40
